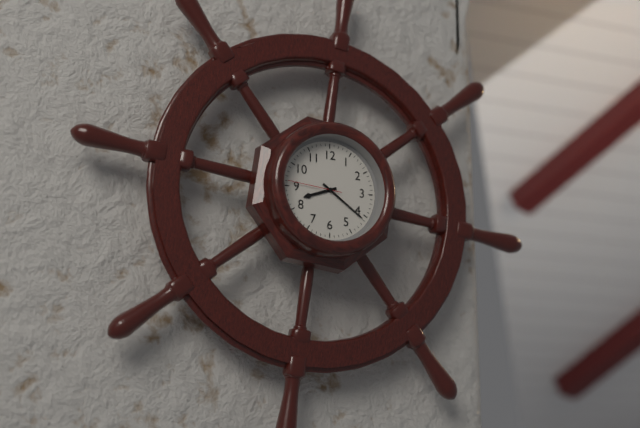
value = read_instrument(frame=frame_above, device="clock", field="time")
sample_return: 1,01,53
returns 8,21,46
